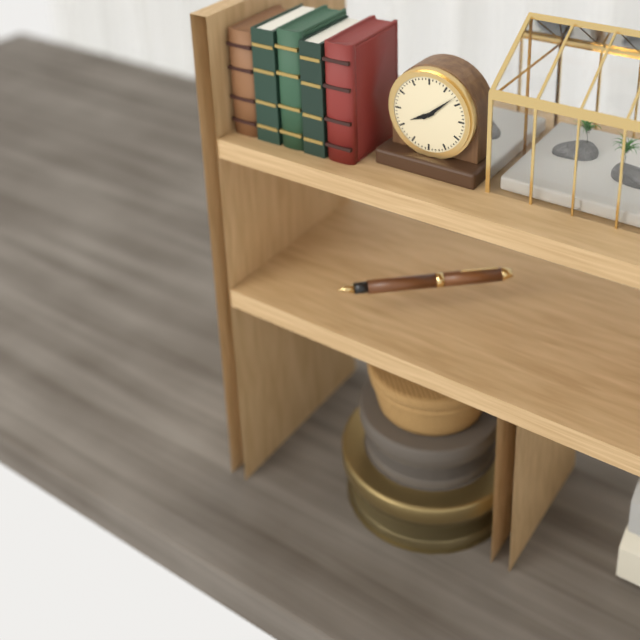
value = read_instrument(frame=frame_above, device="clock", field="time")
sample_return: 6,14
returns 8,08
